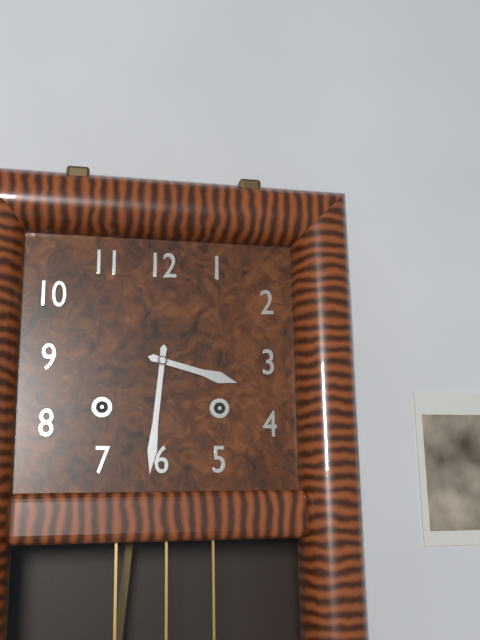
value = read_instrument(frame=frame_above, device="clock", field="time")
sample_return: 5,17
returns 3,31
